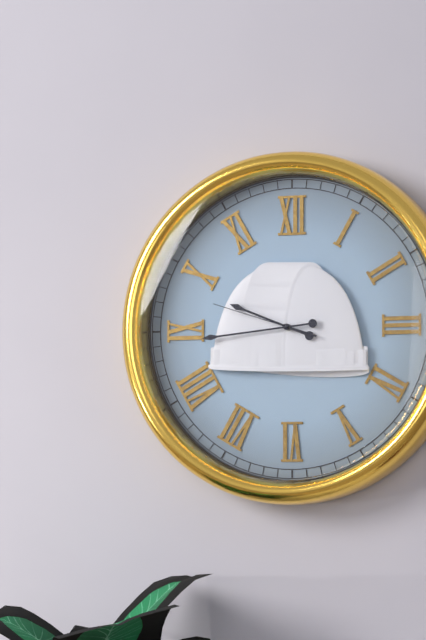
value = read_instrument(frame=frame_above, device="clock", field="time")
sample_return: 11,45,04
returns 9,44,48
